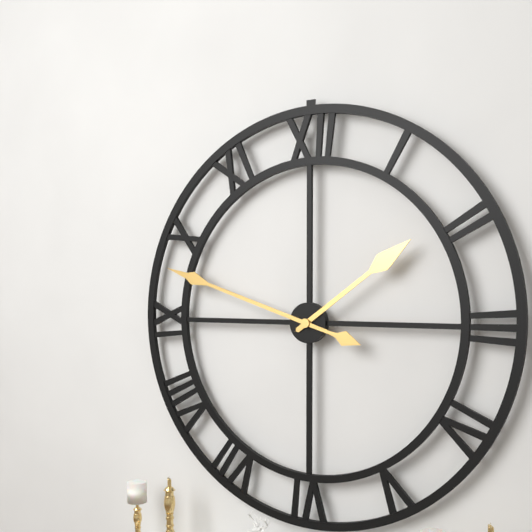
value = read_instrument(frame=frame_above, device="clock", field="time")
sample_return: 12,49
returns 1,48
